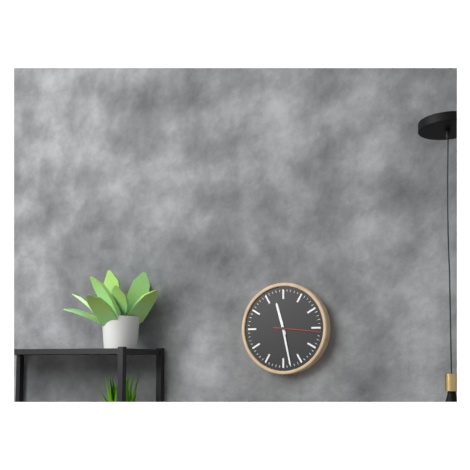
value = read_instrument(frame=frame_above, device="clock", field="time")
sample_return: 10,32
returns 11,28
